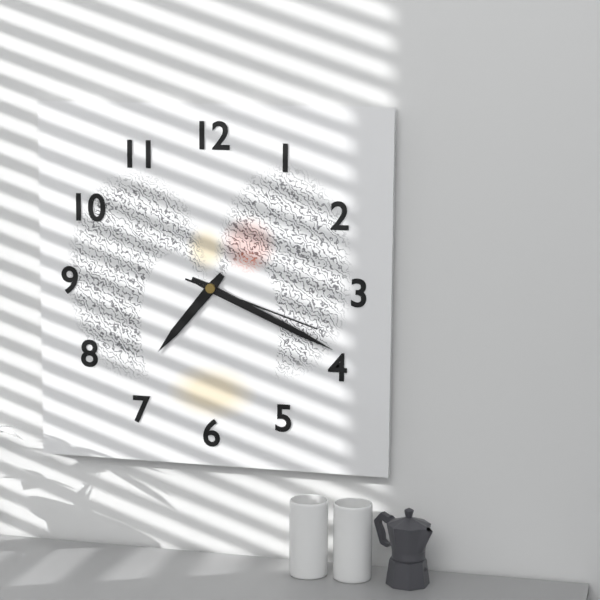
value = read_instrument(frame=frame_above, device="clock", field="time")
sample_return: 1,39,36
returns 7,19,18
